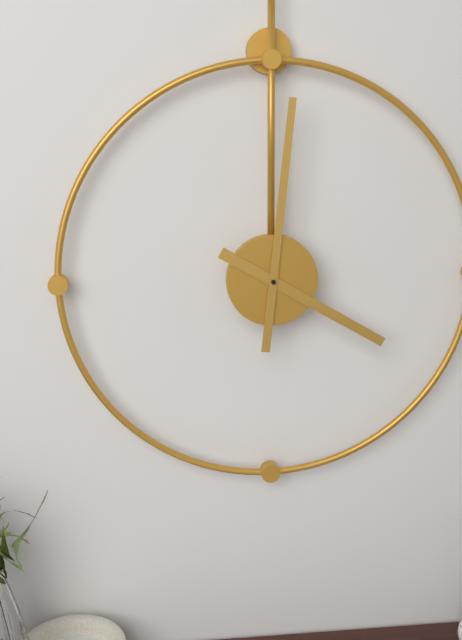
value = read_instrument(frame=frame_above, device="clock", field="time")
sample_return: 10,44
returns 4,01
